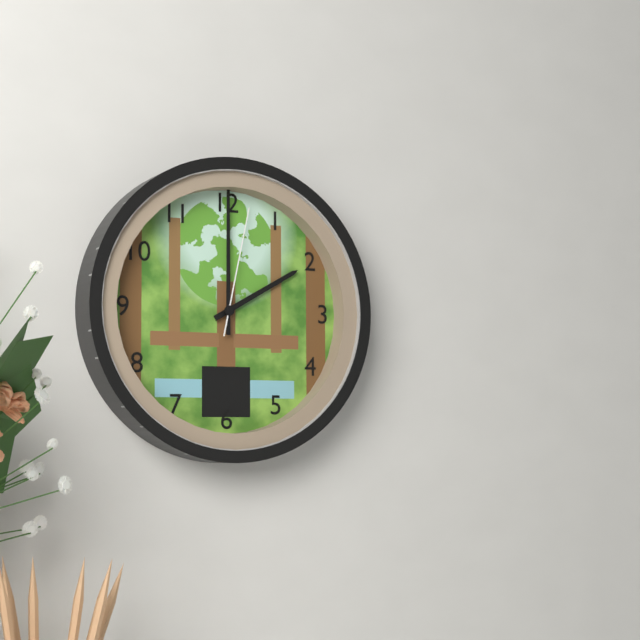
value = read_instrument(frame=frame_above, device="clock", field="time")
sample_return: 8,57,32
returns 2,00,02
